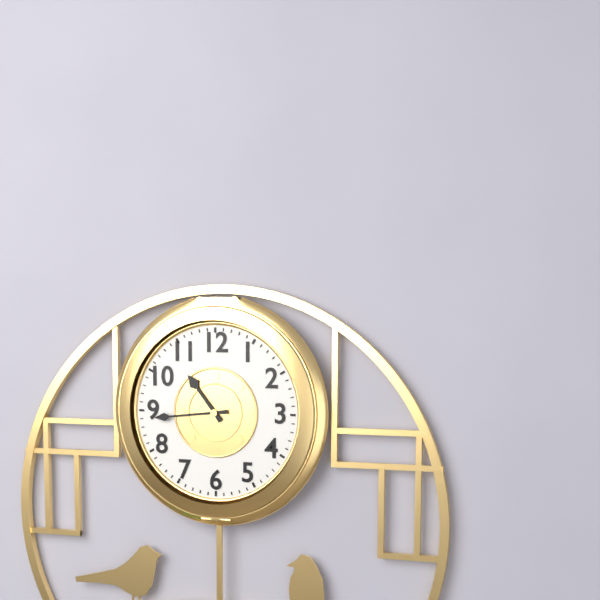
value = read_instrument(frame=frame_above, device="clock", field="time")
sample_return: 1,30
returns 10,44
